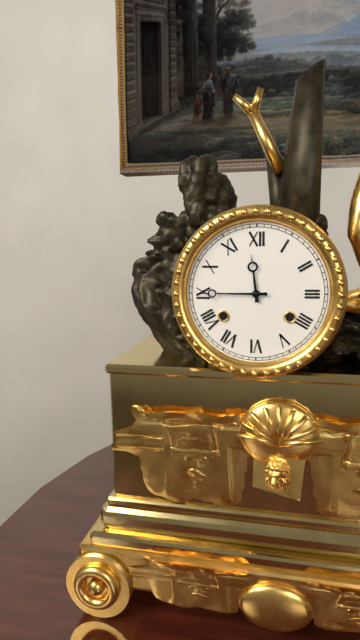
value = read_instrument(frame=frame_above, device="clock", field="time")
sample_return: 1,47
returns 11,45
